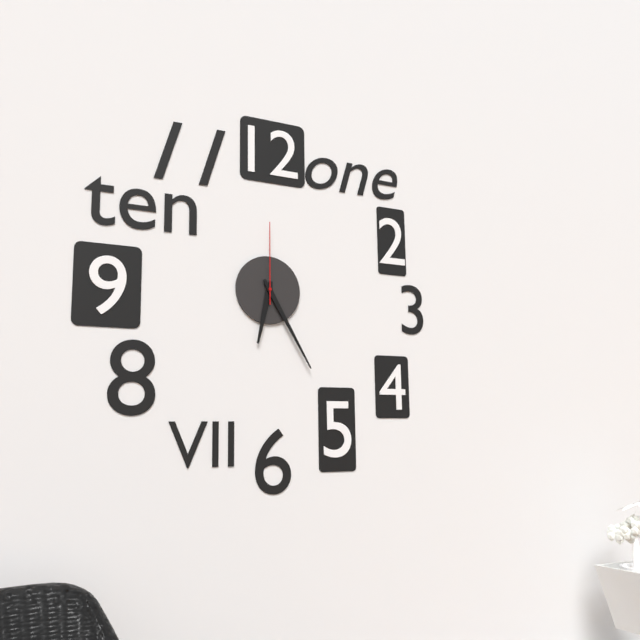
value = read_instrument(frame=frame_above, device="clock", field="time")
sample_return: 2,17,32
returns 6,25,00
